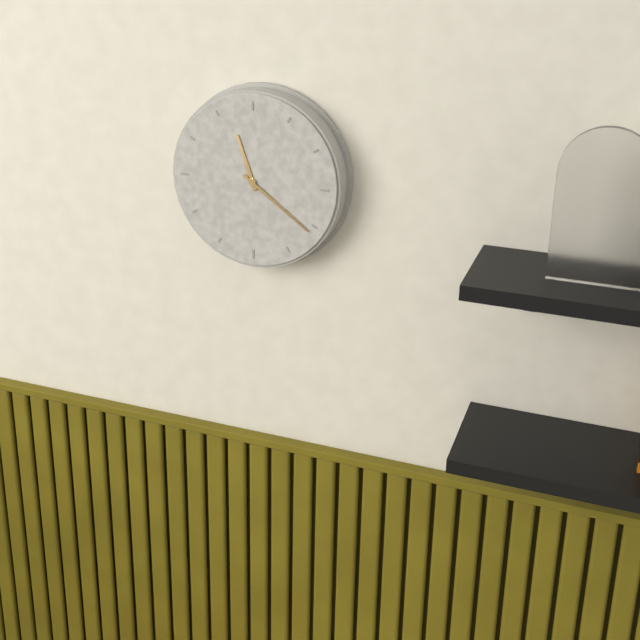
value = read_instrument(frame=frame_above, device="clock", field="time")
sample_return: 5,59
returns 11,21
